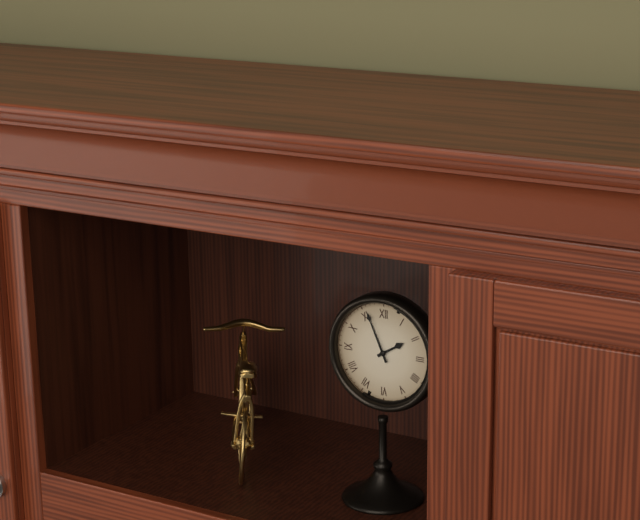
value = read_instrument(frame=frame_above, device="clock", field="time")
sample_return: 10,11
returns 1,56
